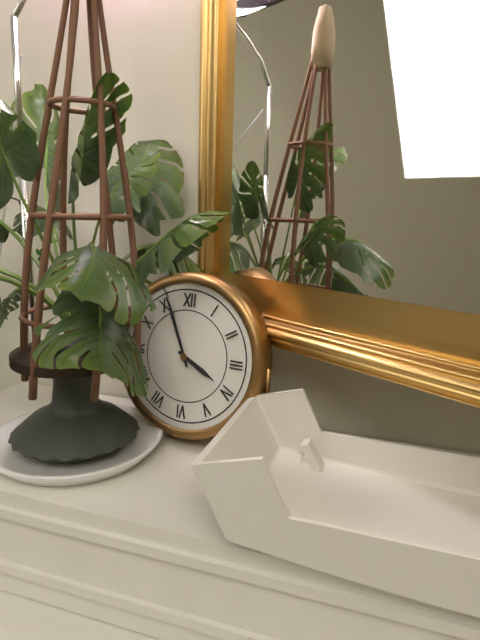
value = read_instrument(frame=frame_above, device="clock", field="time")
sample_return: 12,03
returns 3,56
